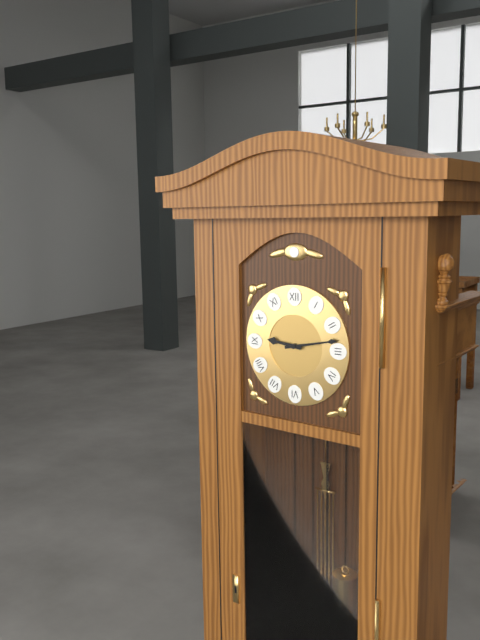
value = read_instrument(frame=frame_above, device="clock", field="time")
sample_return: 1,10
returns 9,13
